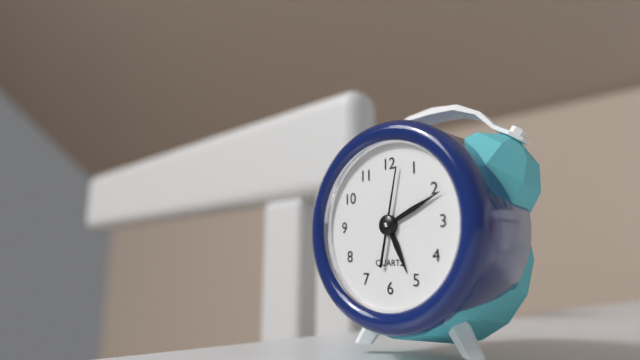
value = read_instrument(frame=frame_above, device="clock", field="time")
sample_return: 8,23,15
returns 5,11,02
